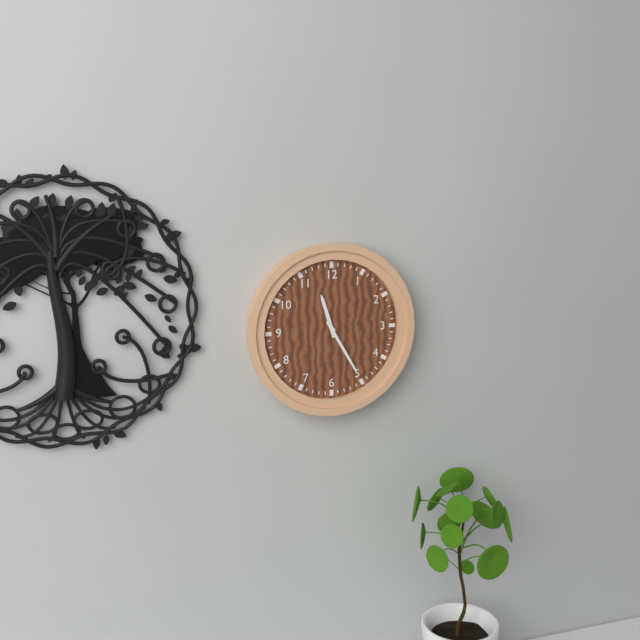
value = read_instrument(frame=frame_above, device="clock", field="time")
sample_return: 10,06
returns 11,25
